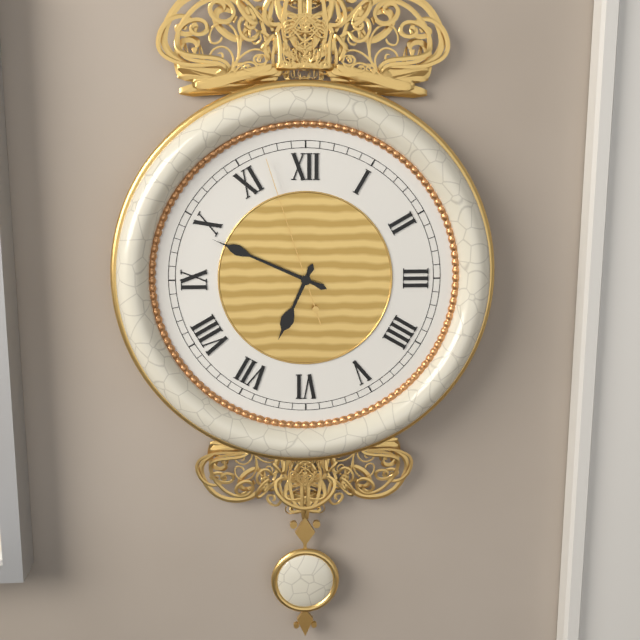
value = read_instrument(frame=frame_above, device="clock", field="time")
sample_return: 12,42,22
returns 6,49,57
